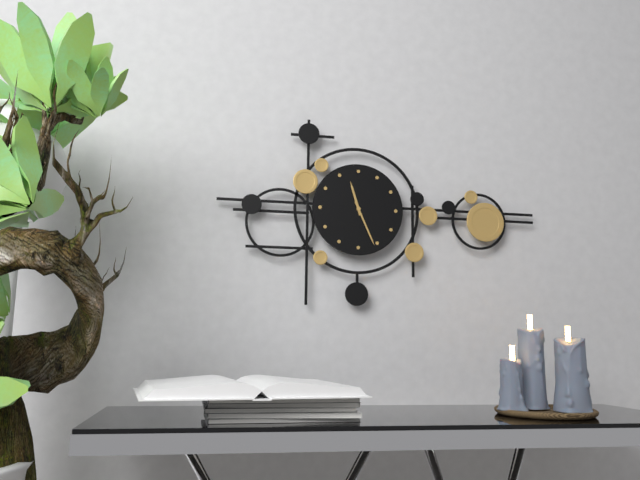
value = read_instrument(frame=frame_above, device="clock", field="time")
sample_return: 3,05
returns 11,26
